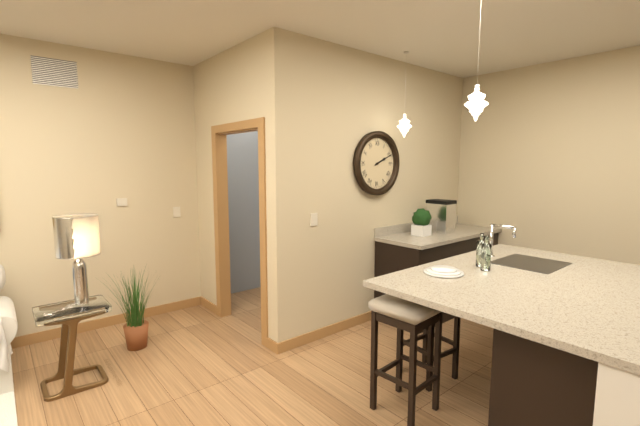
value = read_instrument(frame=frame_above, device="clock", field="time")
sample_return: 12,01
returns 2,11
